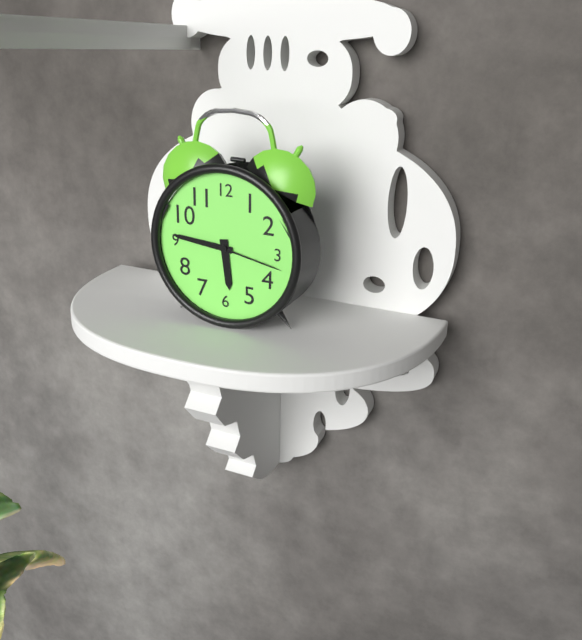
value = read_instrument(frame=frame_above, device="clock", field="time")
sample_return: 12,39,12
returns 5,46,17
